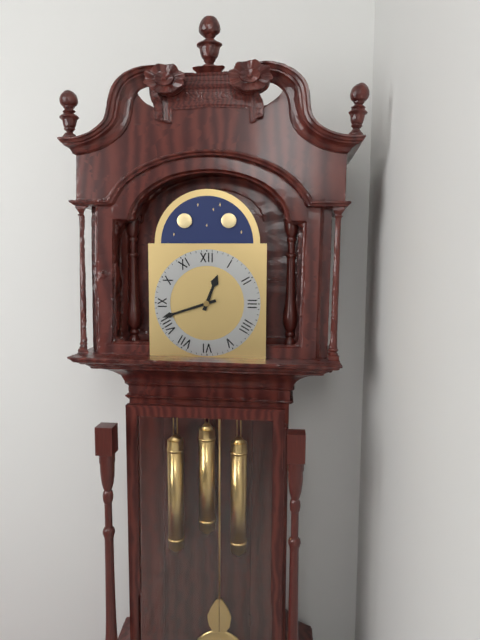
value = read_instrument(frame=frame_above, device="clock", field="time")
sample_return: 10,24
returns 12,42
